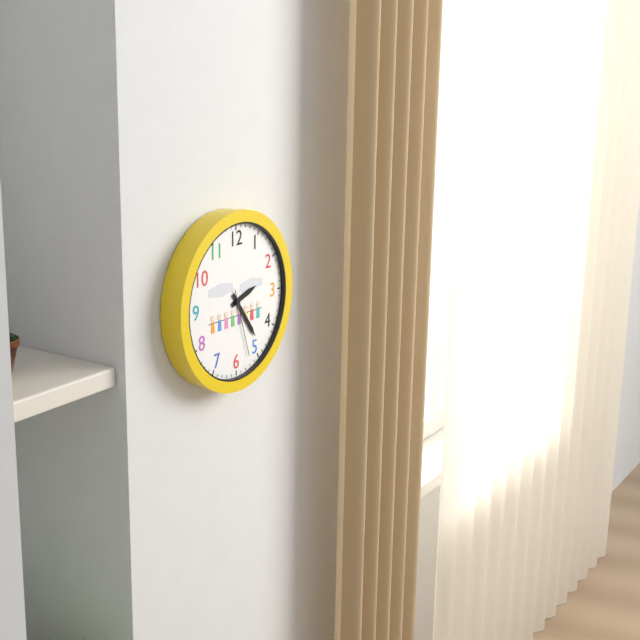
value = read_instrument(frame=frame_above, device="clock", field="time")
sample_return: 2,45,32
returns 2,24,27
